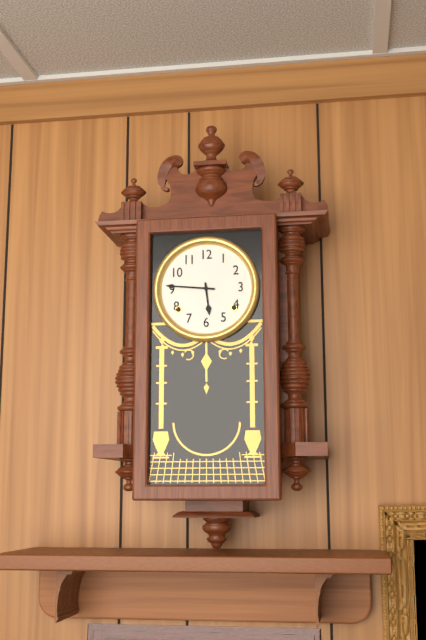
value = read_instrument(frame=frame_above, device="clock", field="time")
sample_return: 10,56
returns 5,46
